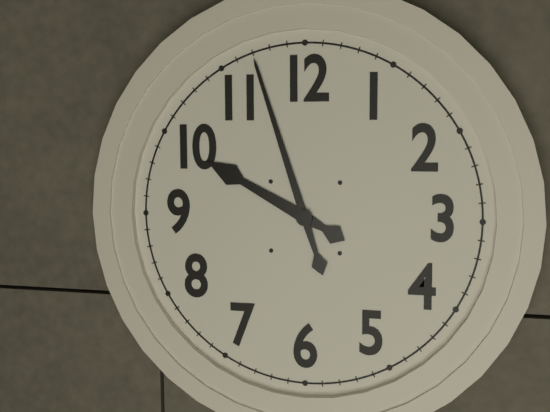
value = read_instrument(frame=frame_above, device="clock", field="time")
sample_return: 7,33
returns 9,57
